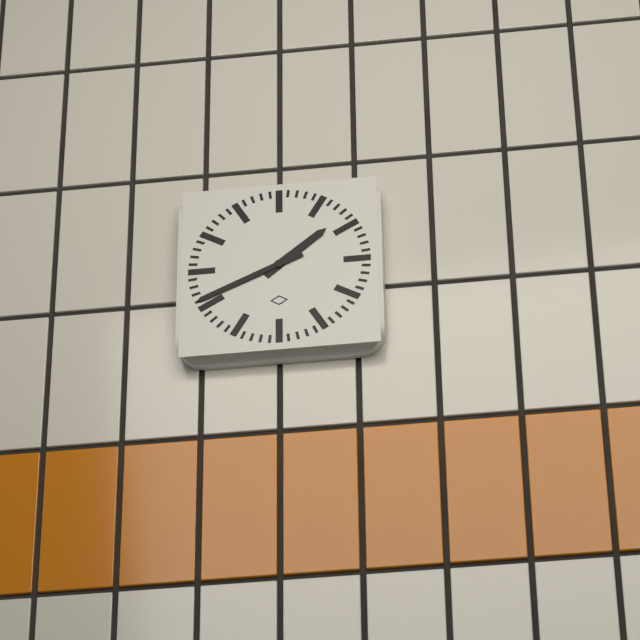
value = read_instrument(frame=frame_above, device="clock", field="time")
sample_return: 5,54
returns 1,41
